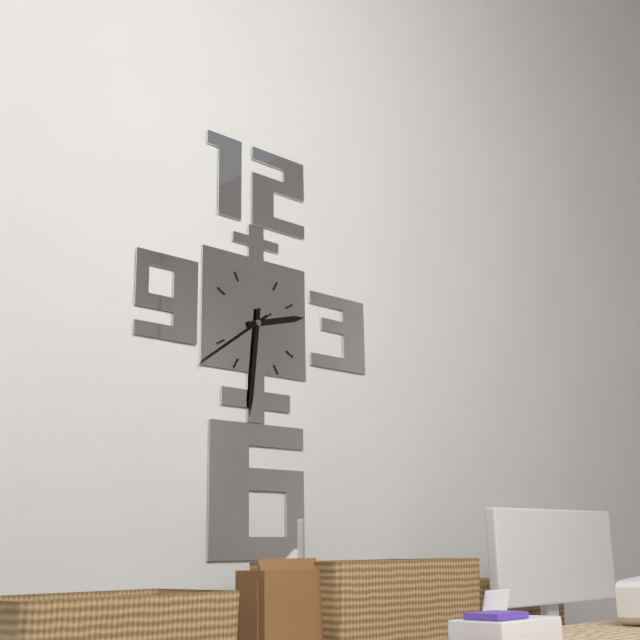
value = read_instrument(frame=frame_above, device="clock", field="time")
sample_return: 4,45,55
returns 2,31,39
